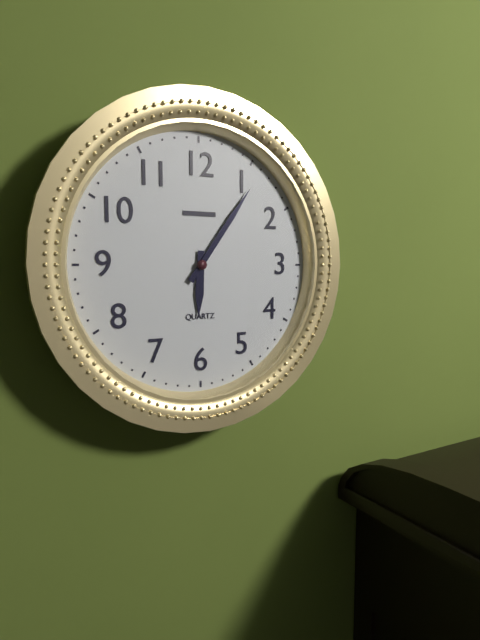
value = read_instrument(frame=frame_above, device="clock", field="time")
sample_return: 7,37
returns 6,06
